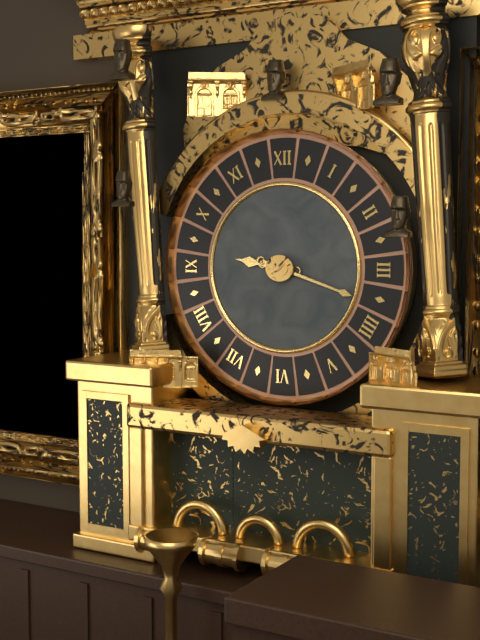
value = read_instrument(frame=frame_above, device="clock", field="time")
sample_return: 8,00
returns 9,18
